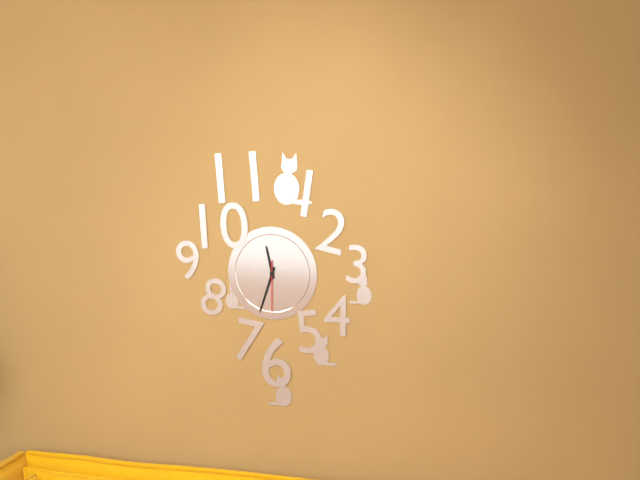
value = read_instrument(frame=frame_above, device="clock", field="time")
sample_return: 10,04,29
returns 11,33,30
